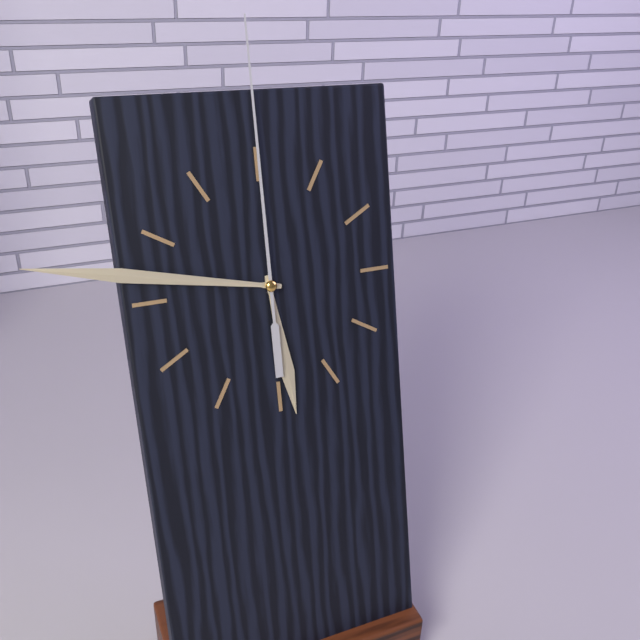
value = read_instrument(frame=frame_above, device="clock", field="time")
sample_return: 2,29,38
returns 5,47,00
